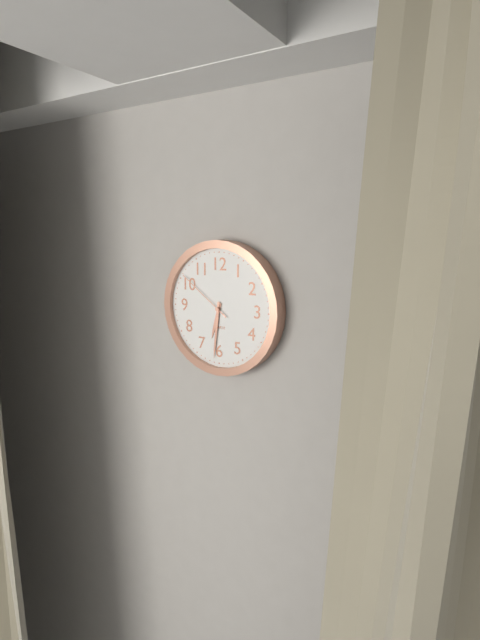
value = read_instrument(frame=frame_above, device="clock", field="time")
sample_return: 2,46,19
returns 6,31,51
